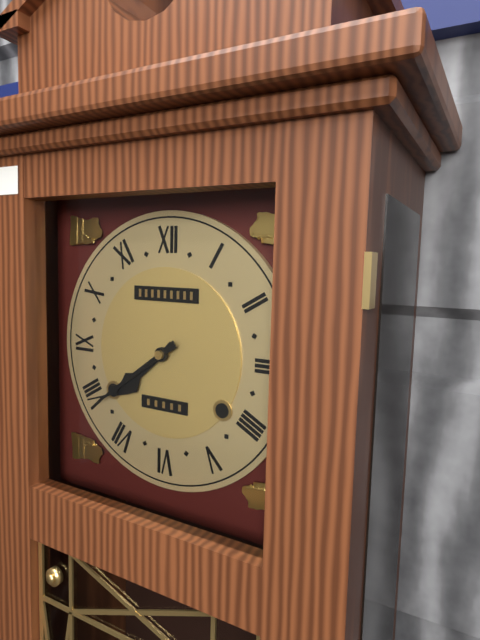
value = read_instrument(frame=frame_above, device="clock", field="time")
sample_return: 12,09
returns 7,39
